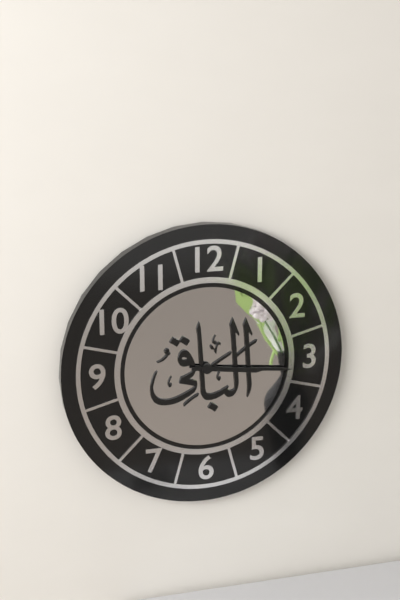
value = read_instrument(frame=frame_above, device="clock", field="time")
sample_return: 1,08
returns 3,16
